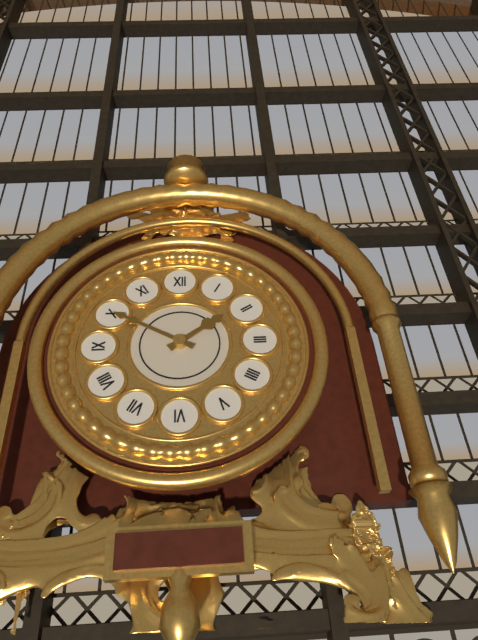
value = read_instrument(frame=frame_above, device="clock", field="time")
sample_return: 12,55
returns 1,50
